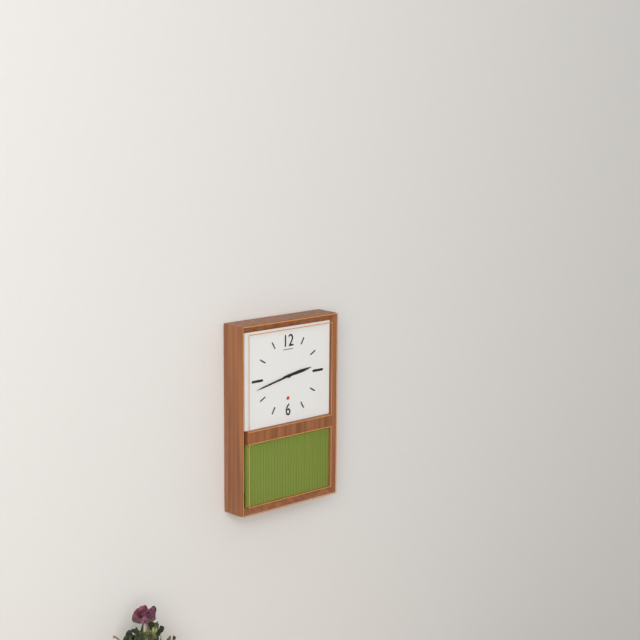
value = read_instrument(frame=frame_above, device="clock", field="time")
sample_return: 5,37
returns 2,43
